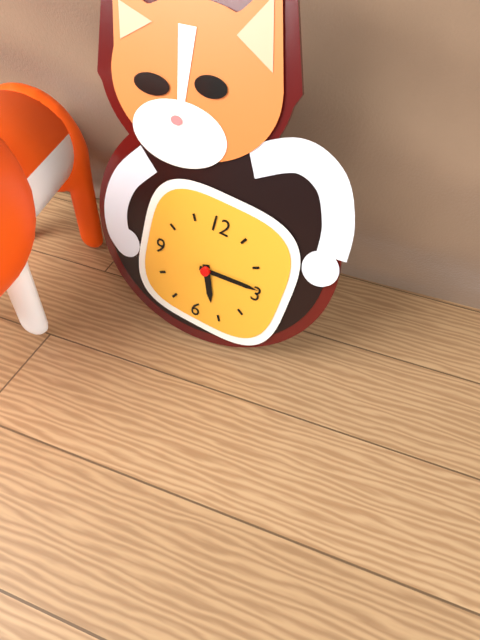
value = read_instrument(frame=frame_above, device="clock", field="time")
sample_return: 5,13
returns 5,14
